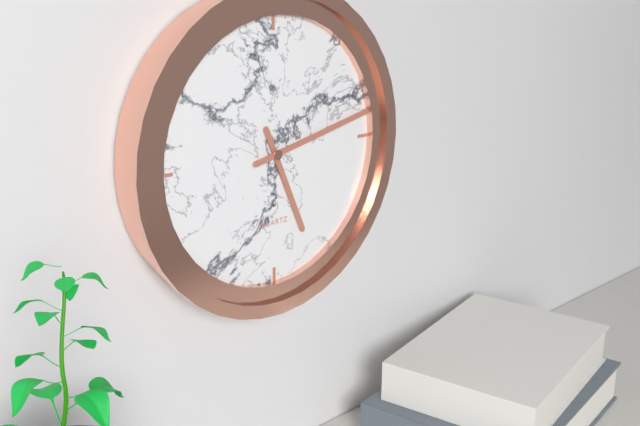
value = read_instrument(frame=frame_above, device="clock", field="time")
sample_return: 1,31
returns 5,13
